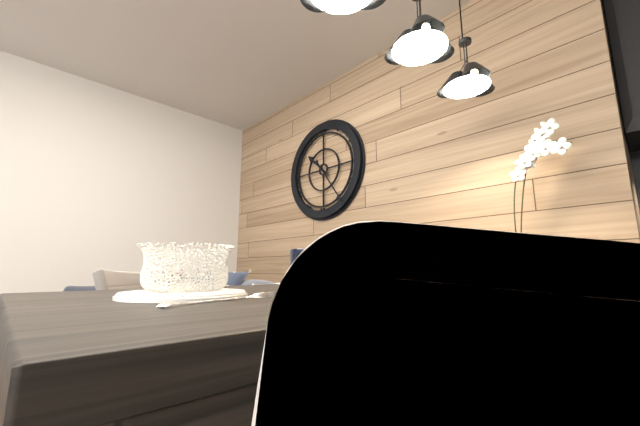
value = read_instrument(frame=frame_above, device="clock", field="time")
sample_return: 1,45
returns 10,24
